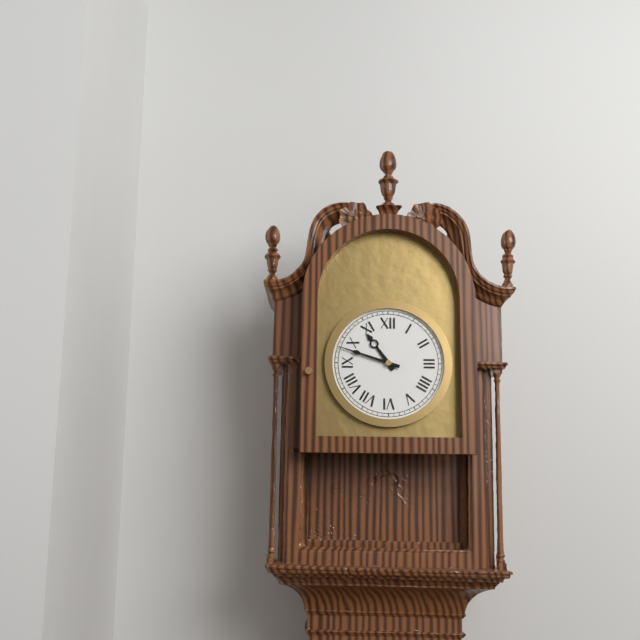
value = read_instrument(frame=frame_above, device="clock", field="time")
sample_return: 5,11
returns 10,48
